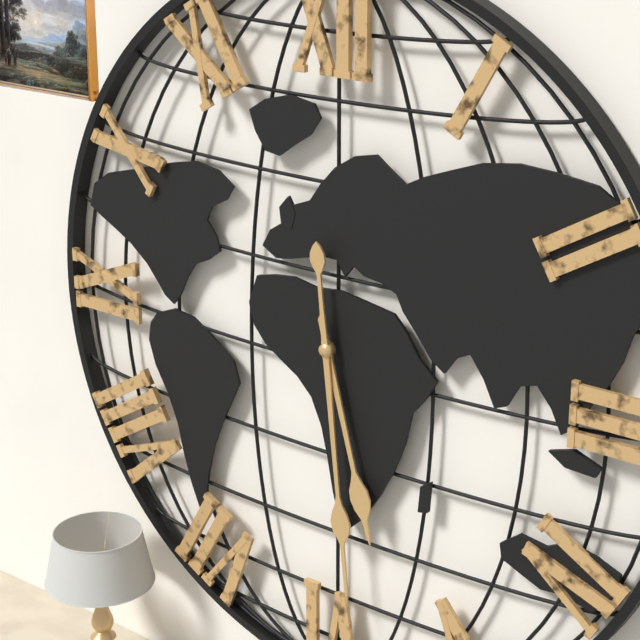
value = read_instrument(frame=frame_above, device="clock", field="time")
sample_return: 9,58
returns 5,29
